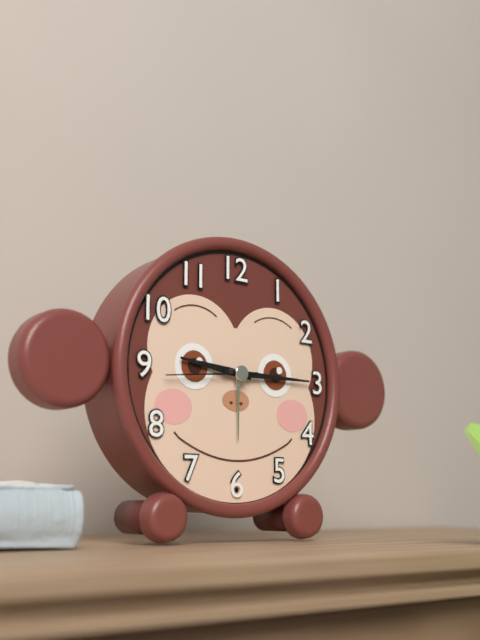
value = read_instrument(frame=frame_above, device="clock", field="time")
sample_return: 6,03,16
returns 9,15,44
